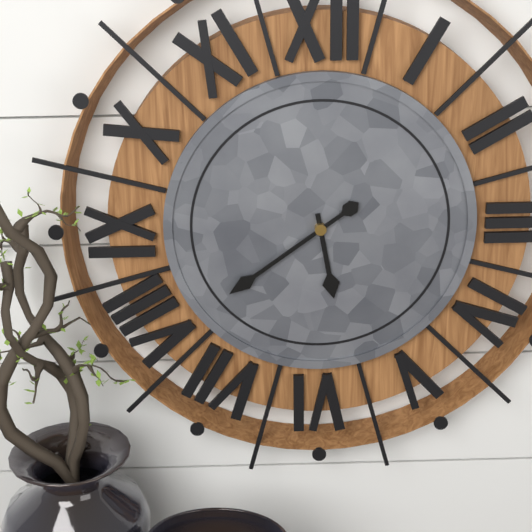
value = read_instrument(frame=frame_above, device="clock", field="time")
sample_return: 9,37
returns 5,39
